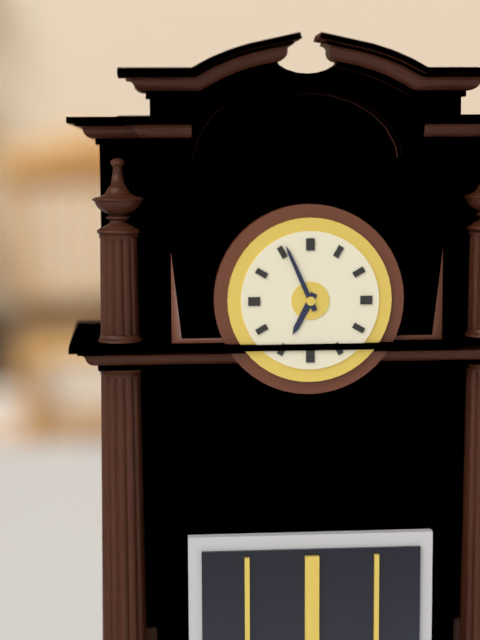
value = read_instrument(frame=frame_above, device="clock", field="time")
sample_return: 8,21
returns 6,56
